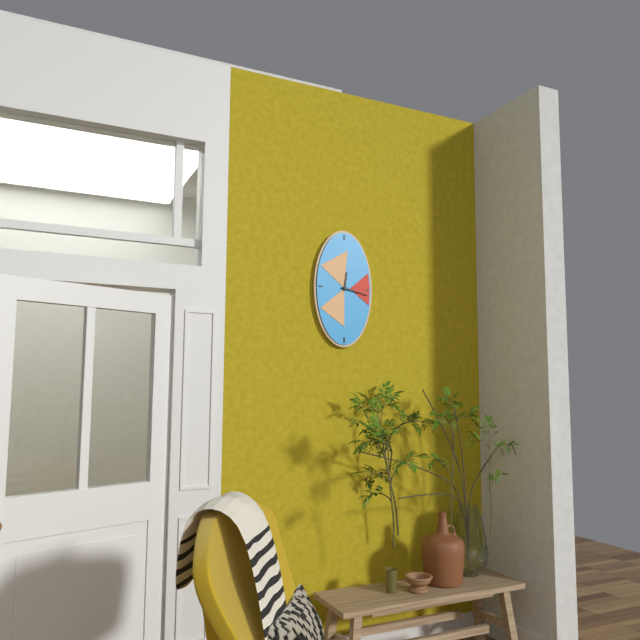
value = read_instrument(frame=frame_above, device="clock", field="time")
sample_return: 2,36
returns 12,17
